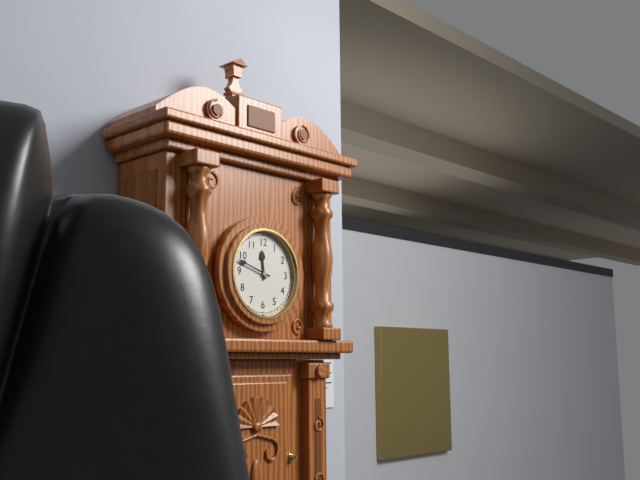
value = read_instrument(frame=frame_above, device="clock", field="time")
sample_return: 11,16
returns 11,48
